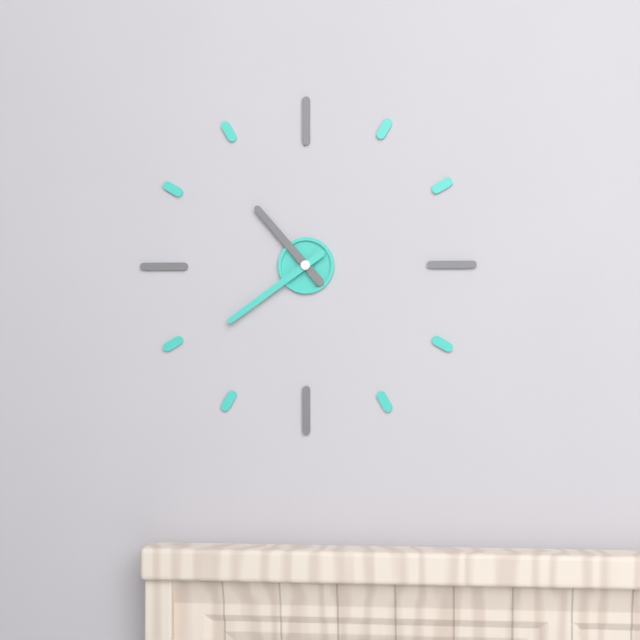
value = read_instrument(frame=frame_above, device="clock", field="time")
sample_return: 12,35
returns 10,39
